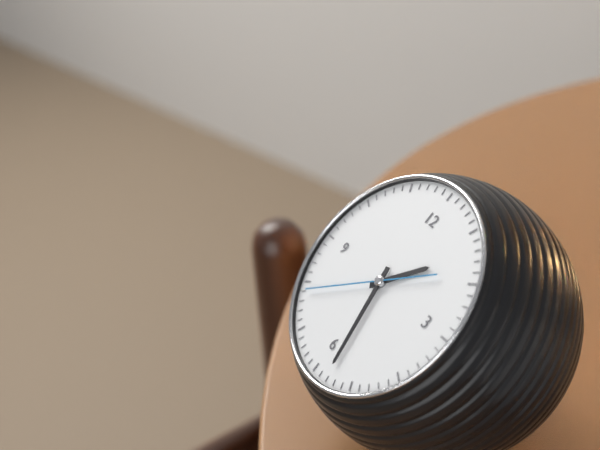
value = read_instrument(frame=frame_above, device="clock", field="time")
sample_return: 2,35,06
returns 1,28,39
